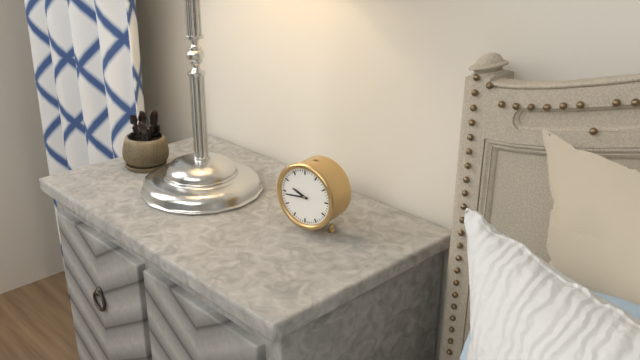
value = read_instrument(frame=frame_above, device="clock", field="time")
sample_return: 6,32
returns 9,44
